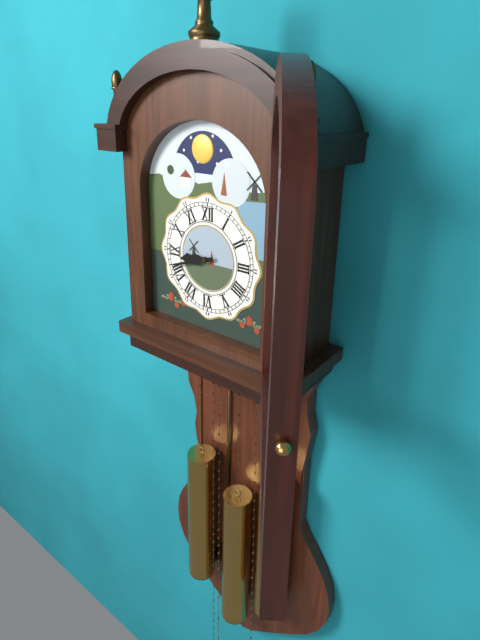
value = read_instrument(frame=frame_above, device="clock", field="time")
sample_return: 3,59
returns 8,42
